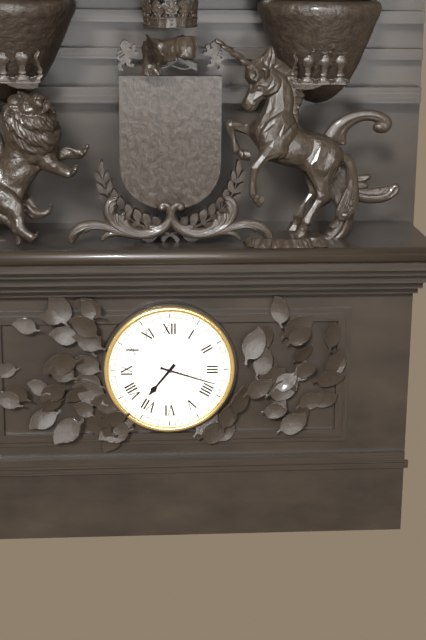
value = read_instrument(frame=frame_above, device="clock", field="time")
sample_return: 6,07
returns 7,18
